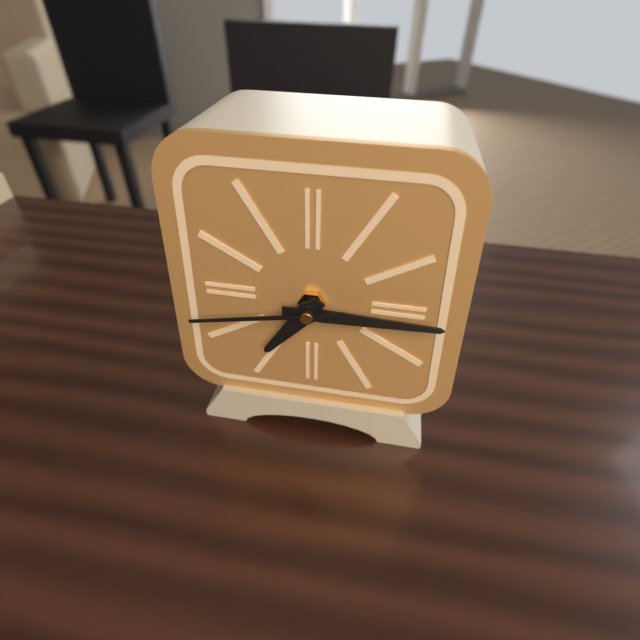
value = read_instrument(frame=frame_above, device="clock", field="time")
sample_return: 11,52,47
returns 7,15,43
